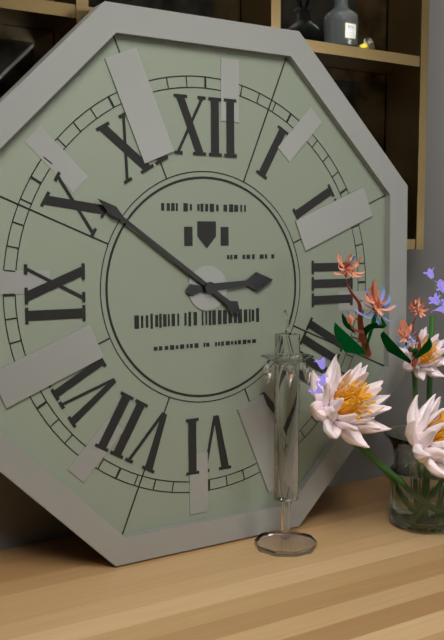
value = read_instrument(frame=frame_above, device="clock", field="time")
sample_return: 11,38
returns 2,51
